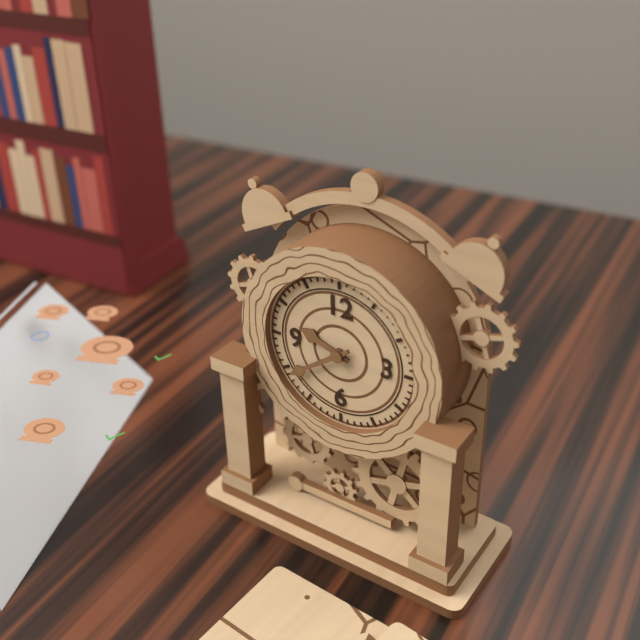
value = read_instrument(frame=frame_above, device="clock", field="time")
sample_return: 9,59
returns 9,39
